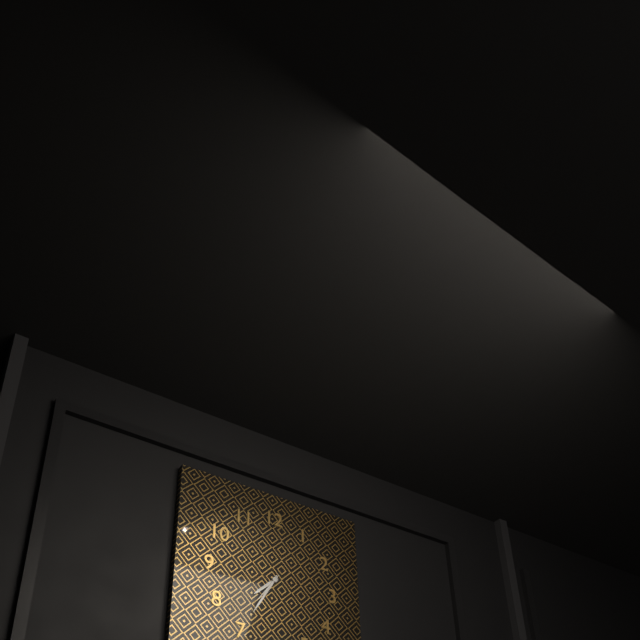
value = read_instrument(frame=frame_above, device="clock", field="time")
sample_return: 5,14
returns 7,35
